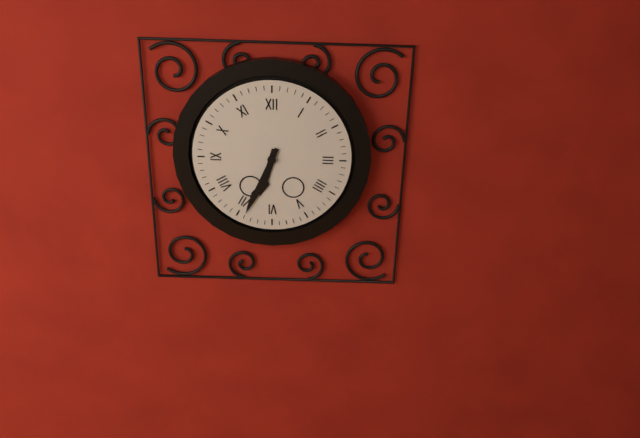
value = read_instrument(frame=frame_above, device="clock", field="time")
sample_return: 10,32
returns 6,34
